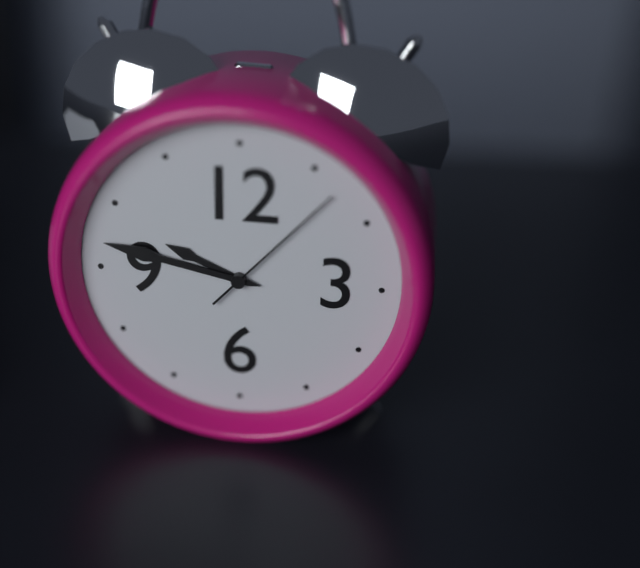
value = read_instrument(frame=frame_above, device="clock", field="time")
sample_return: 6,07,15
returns 9,47,07
